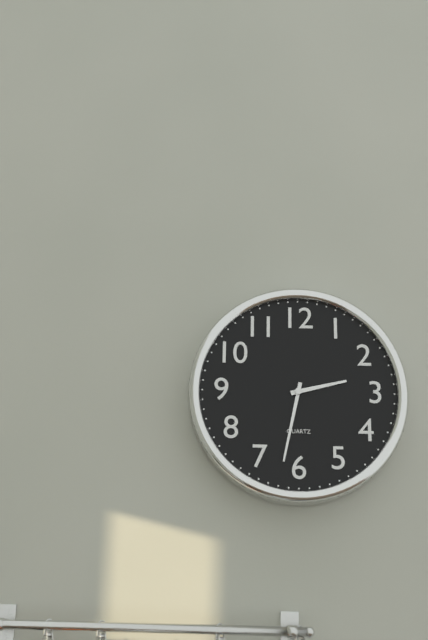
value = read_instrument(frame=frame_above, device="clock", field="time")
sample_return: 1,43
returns 2,32
